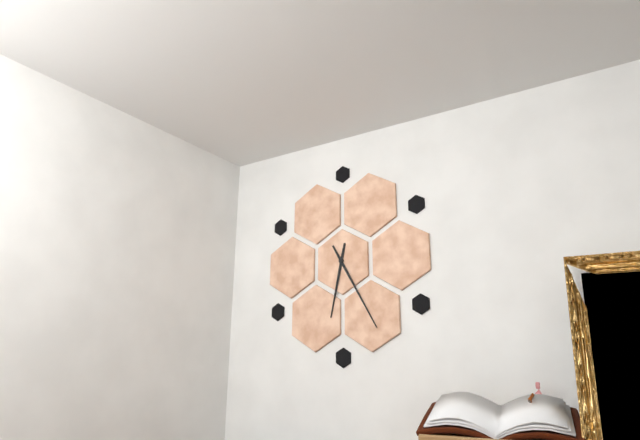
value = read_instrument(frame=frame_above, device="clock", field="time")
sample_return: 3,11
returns 6,25
